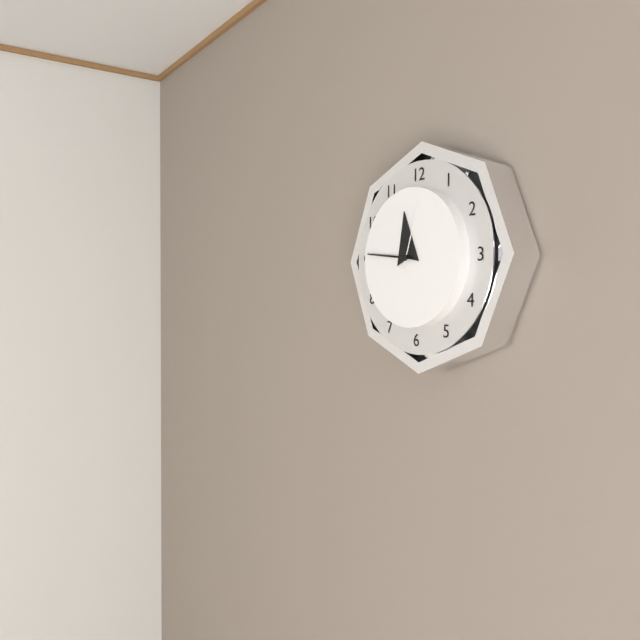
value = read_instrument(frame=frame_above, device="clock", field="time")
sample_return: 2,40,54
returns 11,46,03
